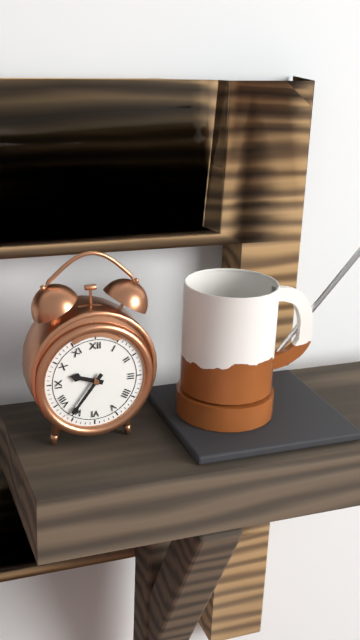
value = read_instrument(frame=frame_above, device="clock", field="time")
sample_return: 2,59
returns 9,36
